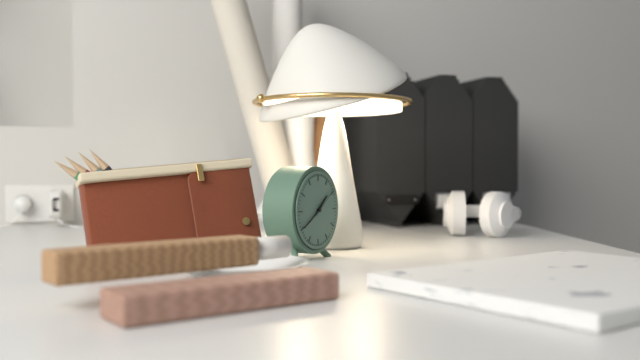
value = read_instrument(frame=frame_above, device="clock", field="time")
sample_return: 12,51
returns 1,40
